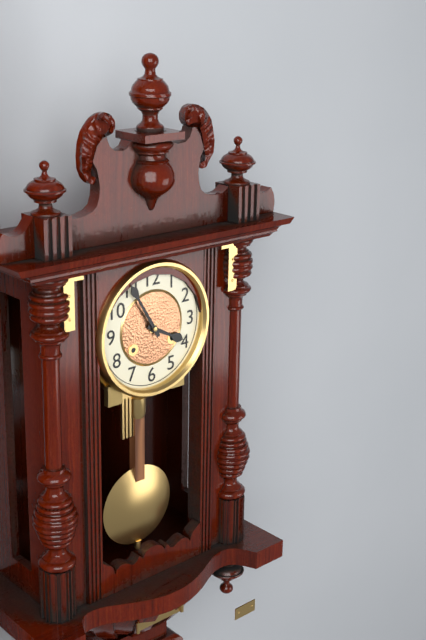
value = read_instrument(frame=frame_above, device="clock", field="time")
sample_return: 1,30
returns 3,55
